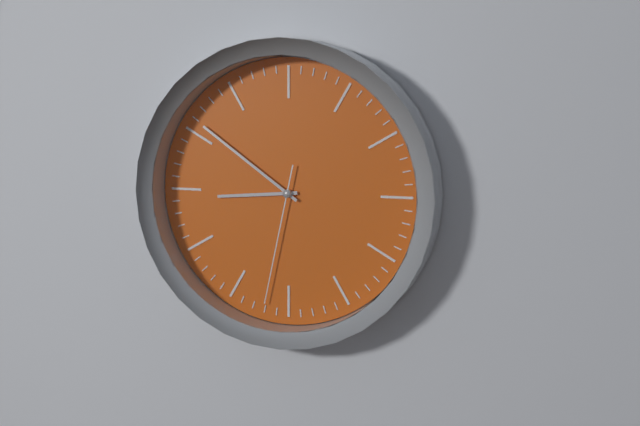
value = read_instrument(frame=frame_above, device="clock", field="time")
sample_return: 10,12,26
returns 8,51,32
